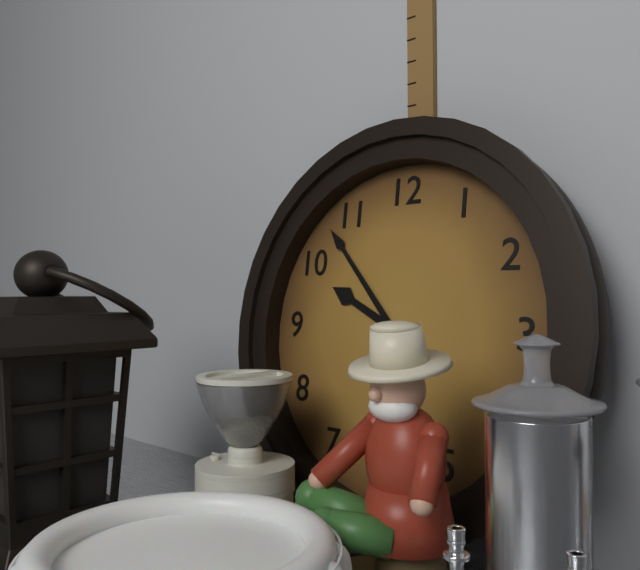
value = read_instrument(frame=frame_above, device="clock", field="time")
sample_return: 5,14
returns 9,53
